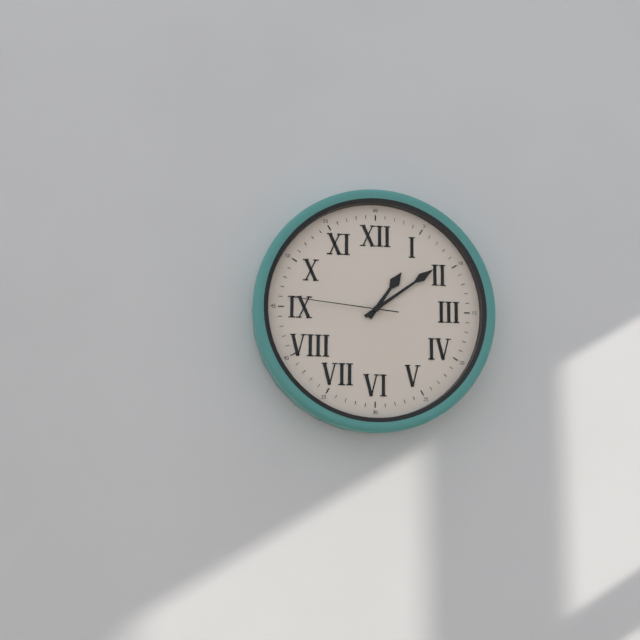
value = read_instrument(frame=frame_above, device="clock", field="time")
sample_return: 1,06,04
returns 1,09,46
